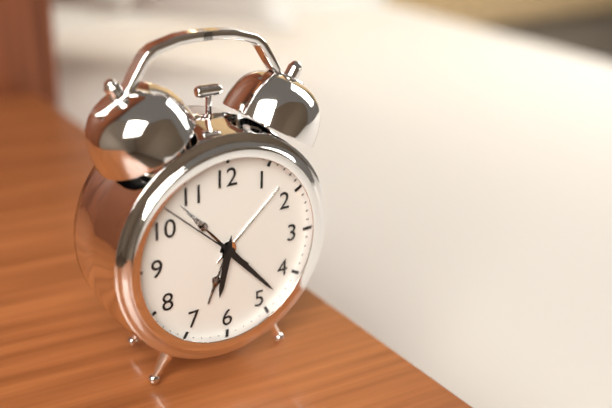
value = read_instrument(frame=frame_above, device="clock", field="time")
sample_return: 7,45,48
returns 6,23,52
